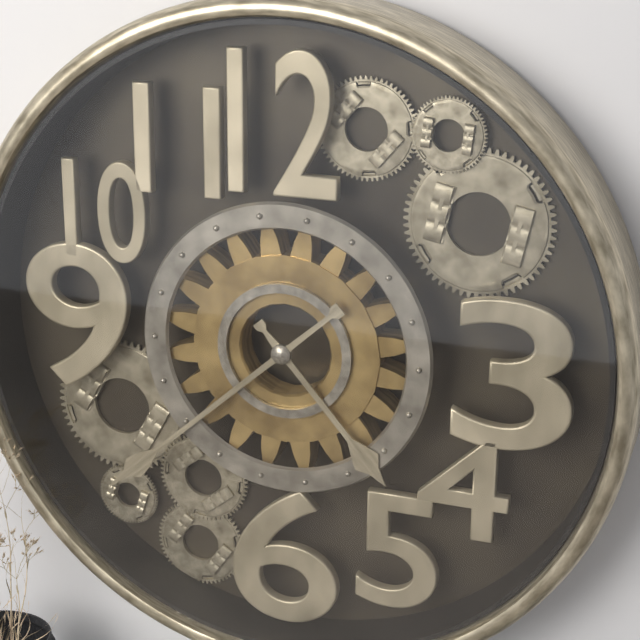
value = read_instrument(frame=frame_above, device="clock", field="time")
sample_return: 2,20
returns 4,38
